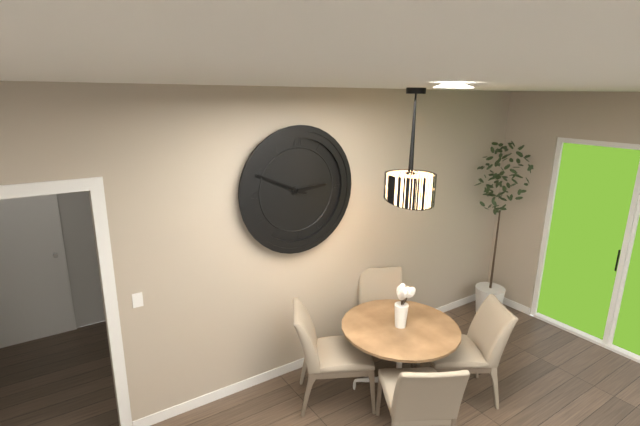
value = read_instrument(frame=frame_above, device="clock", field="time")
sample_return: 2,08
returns 2,49
